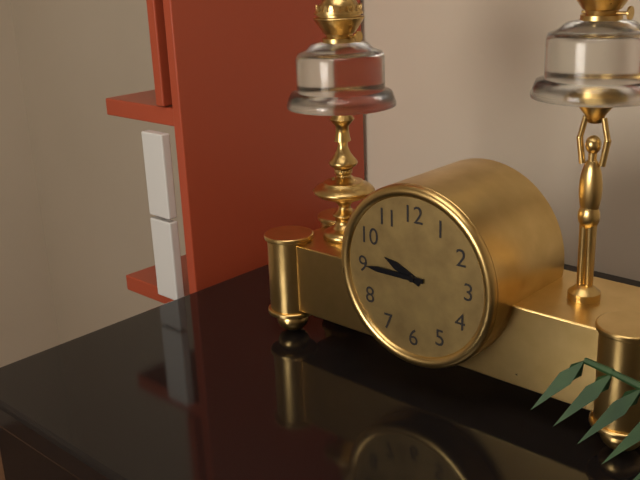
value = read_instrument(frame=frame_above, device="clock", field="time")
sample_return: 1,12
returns 9,45
